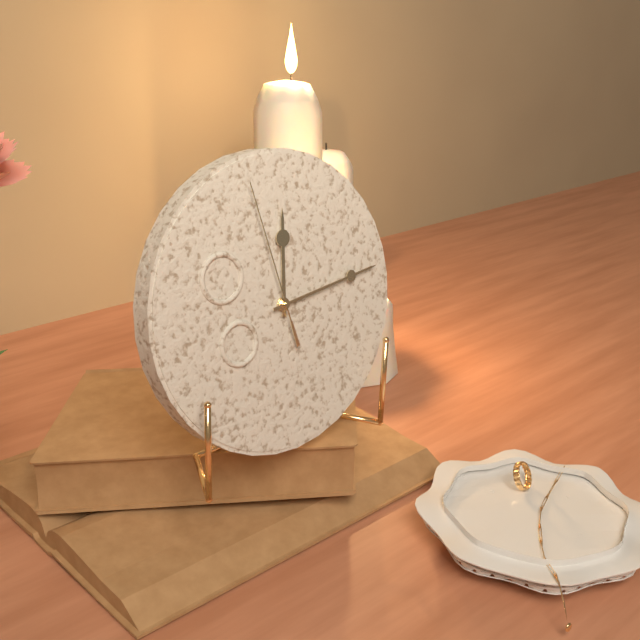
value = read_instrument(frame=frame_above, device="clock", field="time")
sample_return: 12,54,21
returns 12,14,58
